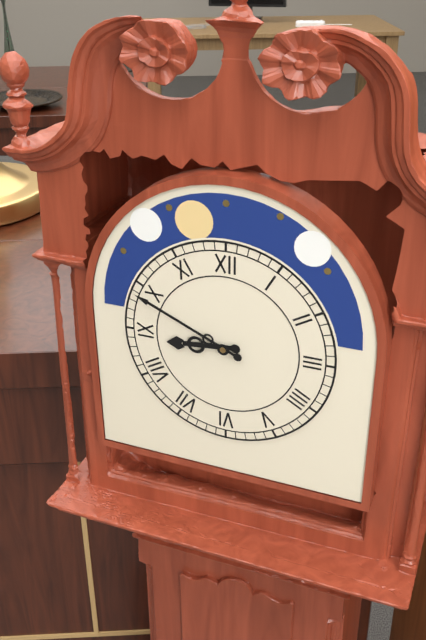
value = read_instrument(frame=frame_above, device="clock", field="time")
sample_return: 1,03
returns 8,49
